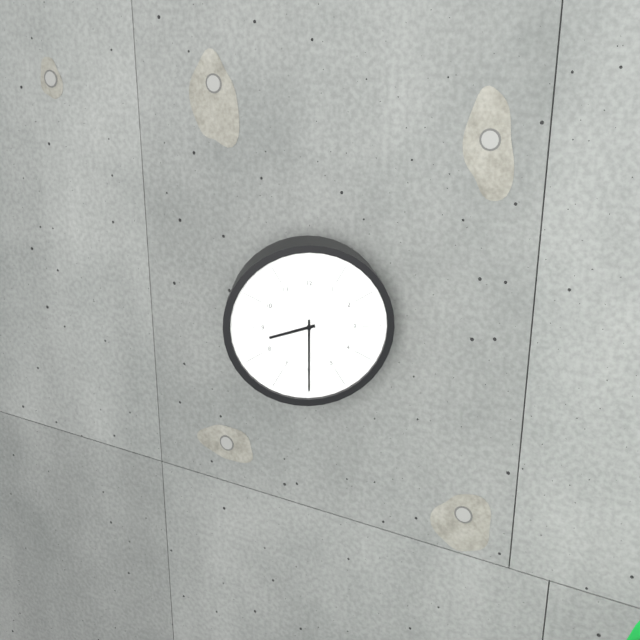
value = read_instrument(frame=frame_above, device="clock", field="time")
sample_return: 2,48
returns 8,30
